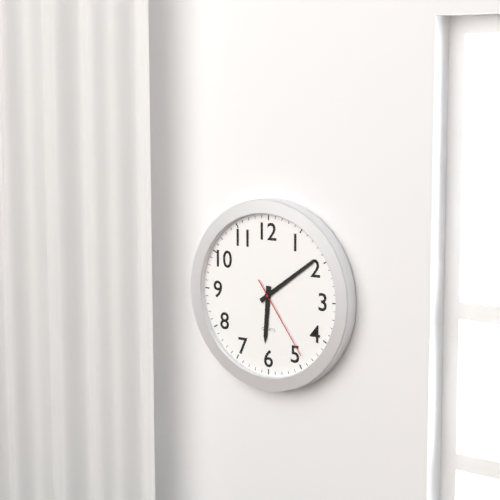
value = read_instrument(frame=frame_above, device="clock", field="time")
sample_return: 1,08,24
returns 6,09,24
